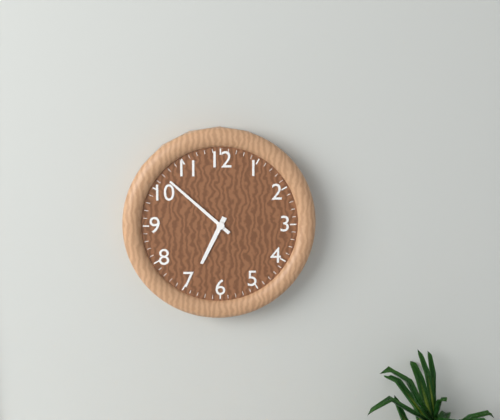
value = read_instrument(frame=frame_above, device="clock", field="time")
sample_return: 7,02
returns 6,52
